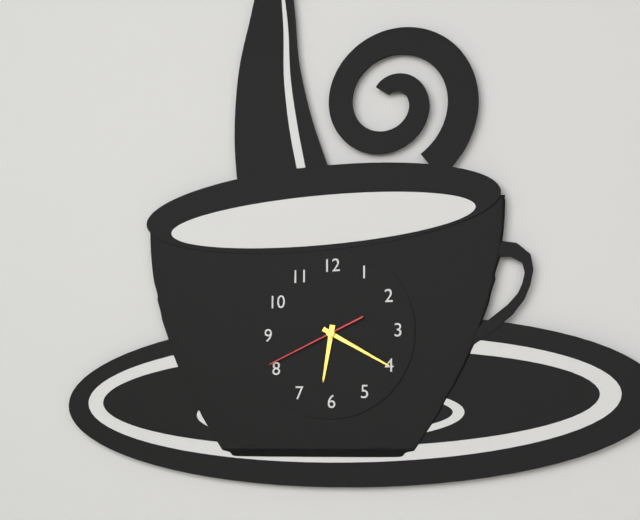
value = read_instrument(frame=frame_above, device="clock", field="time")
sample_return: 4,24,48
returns 6,20,41
